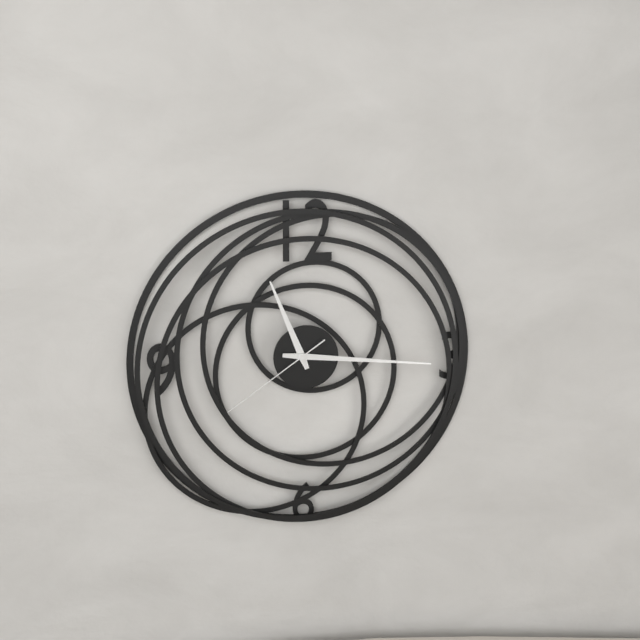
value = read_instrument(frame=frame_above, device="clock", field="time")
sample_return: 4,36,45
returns 11,16,39
